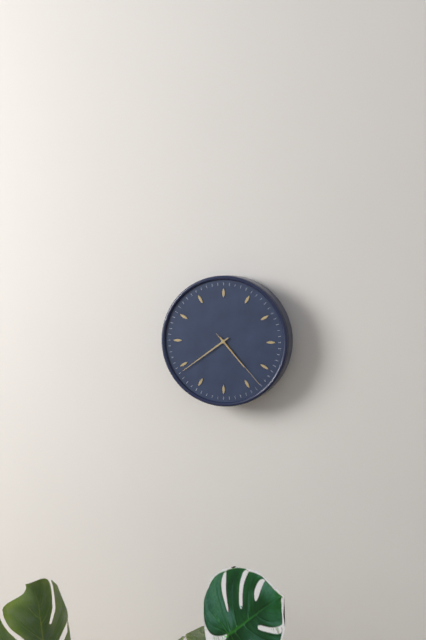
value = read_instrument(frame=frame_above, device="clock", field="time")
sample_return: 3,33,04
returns 4,39,23
